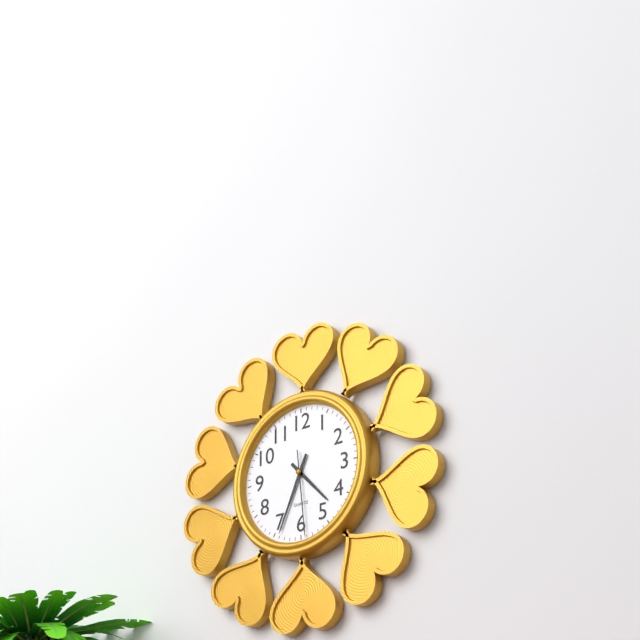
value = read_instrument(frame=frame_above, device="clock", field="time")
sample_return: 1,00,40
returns 4,34,29
